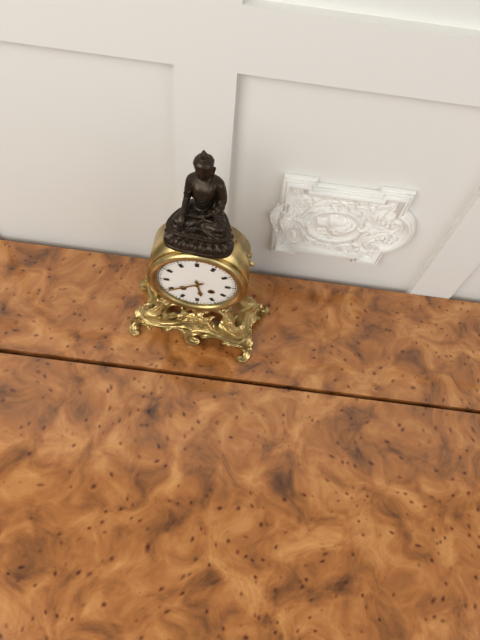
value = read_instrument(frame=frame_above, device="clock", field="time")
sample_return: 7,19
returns 5,40
